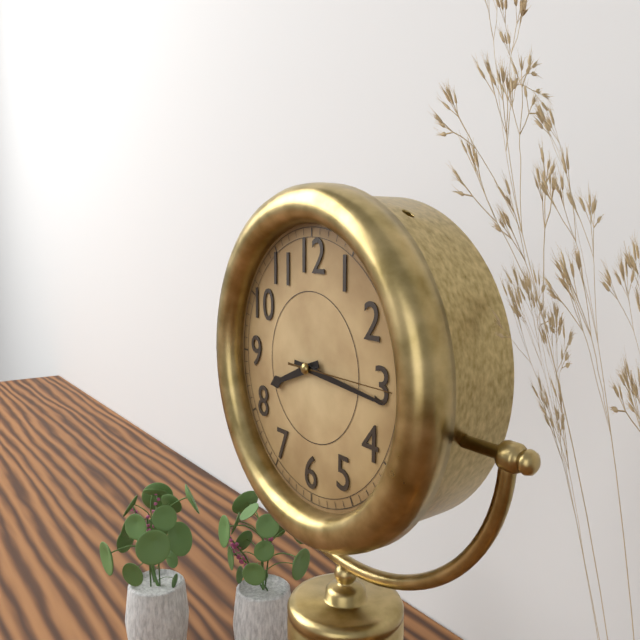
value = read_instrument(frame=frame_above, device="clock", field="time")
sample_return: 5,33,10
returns 8,16,15
